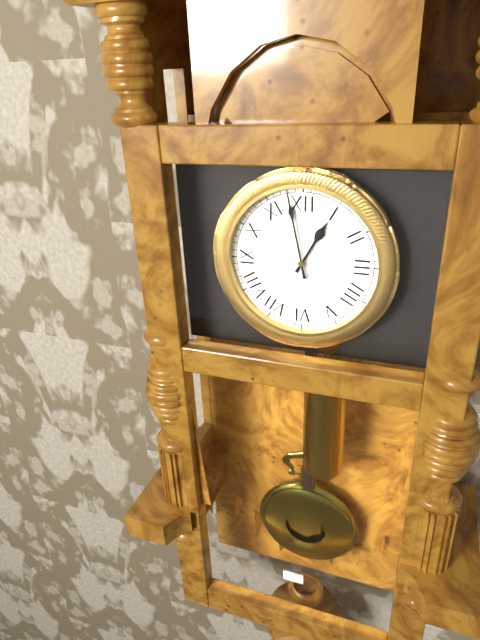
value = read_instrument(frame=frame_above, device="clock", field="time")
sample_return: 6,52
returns 12,58
